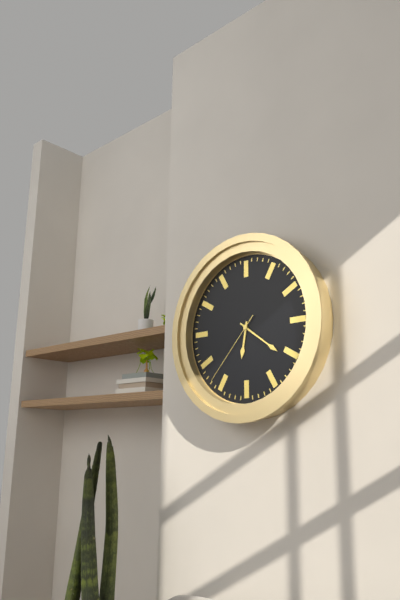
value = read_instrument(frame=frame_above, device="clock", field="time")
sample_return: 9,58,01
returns 6,21,37
